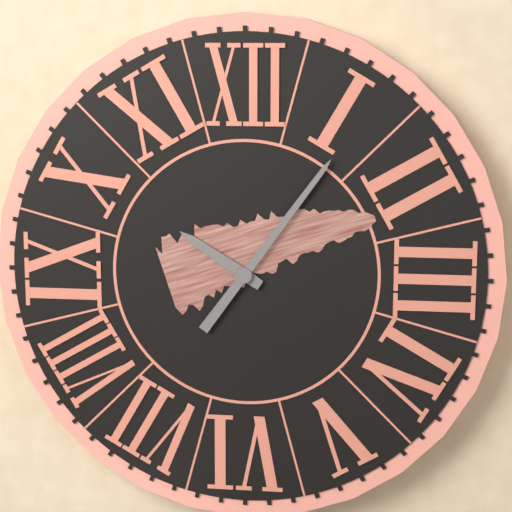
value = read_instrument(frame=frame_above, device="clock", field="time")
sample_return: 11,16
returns 10,06
